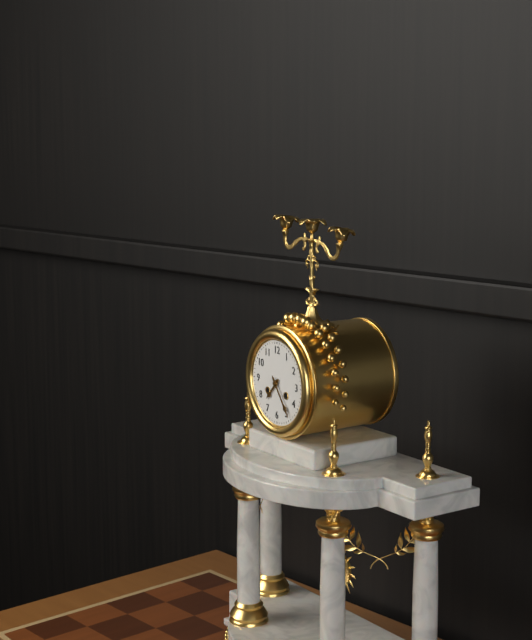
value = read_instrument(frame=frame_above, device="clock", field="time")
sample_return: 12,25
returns 7,24
